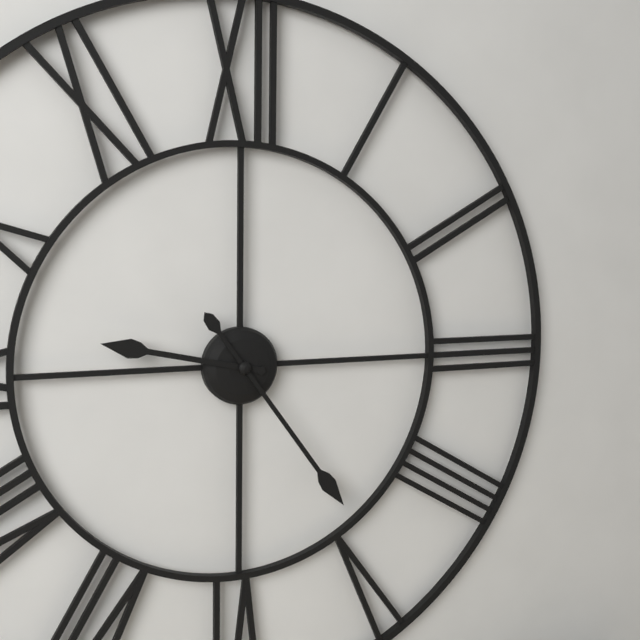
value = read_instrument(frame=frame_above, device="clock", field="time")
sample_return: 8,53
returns 9,24
